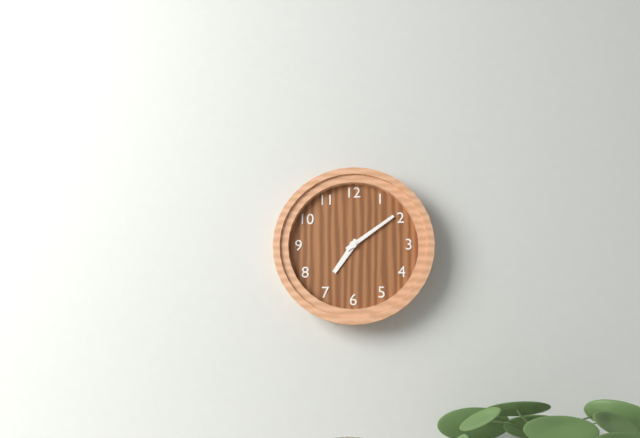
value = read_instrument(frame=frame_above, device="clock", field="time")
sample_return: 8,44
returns 7,09
